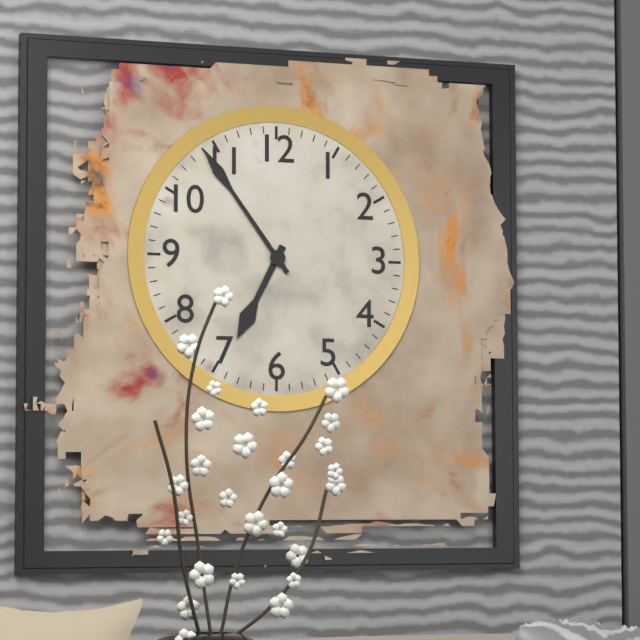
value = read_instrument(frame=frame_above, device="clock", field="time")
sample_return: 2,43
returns 6,54
